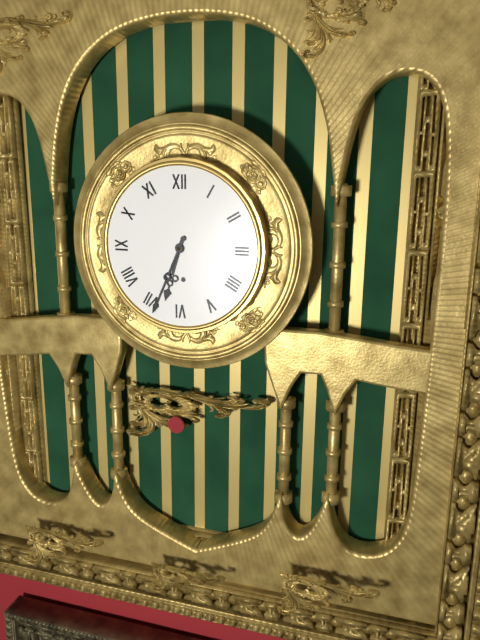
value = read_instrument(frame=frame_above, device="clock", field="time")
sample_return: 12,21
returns 6,34
